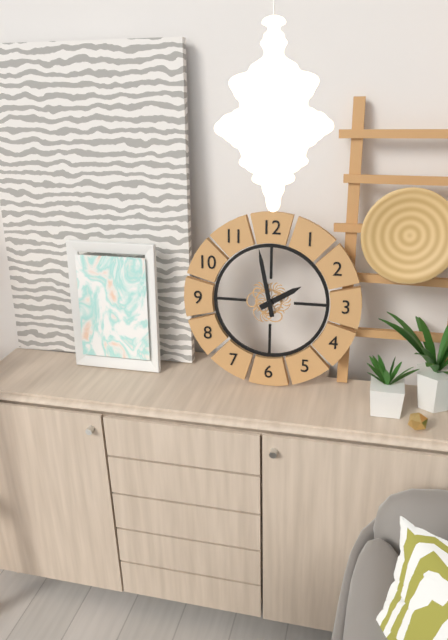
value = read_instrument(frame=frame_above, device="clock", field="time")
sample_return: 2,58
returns 1,58
